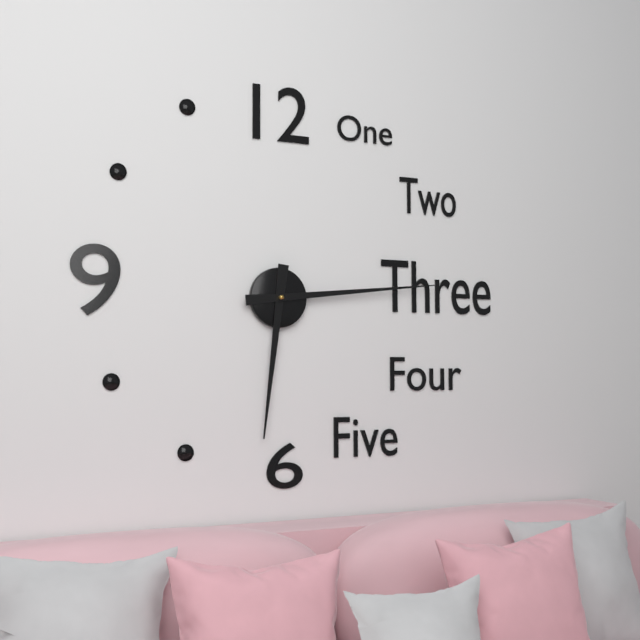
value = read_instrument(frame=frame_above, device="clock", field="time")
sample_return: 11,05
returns 6,14
